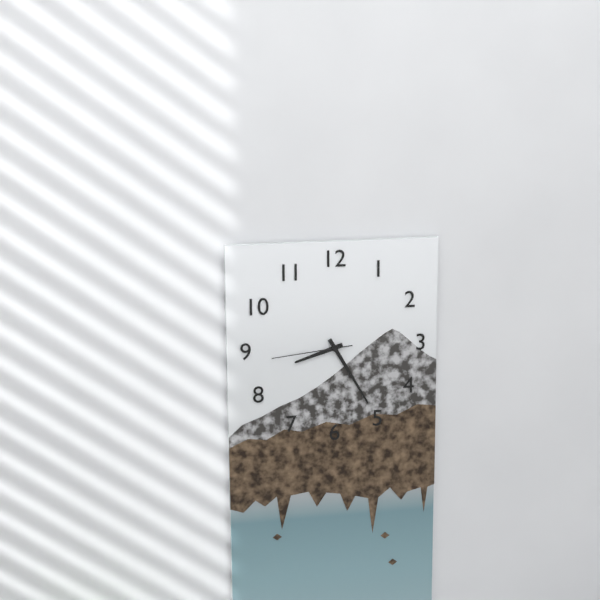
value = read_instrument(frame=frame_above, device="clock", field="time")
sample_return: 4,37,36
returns 8,25,44
